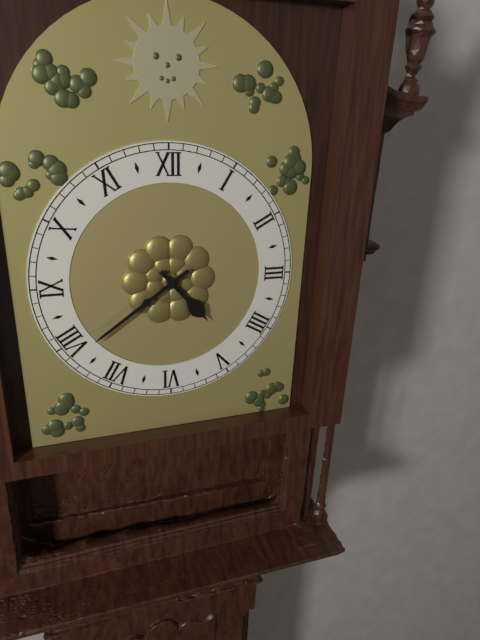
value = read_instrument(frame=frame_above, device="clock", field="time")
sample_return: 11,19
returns 4,39
